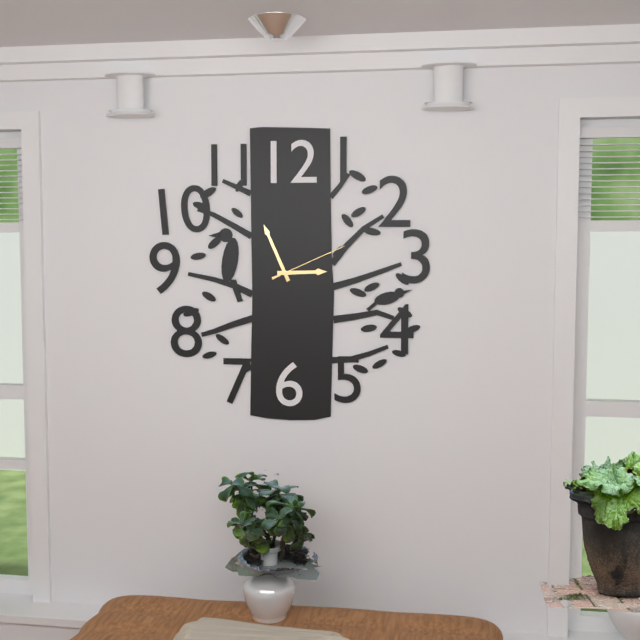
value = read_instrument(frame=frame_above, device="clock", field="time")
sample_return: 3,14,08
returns 2,56,11
